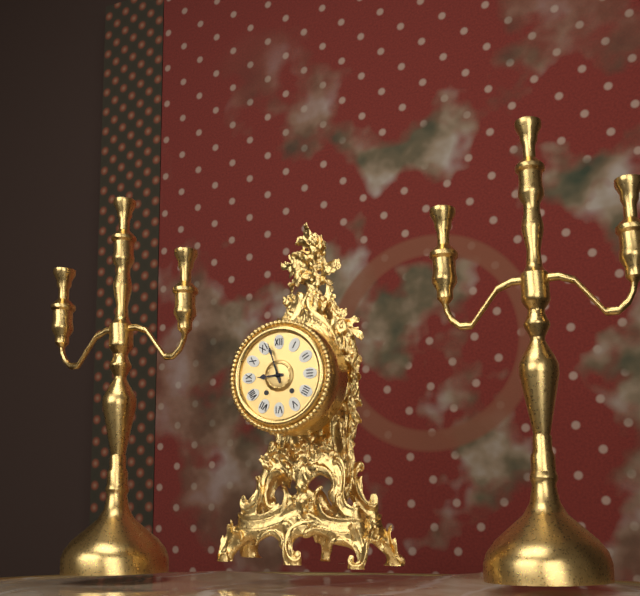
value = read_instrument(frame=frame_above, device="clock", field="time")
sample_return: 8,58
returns 8,57
